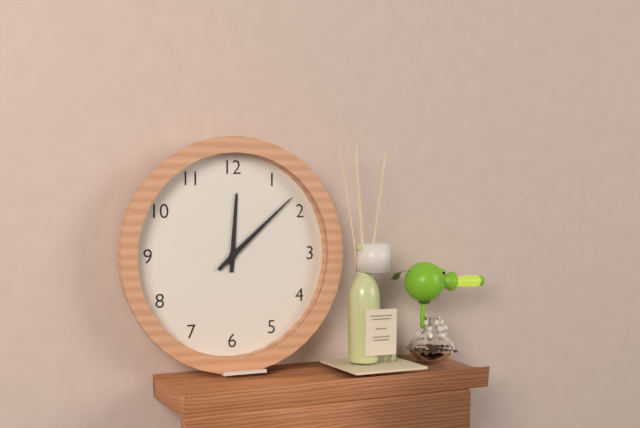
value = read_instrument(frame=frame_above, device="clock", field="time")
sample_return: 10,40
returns 12,08
